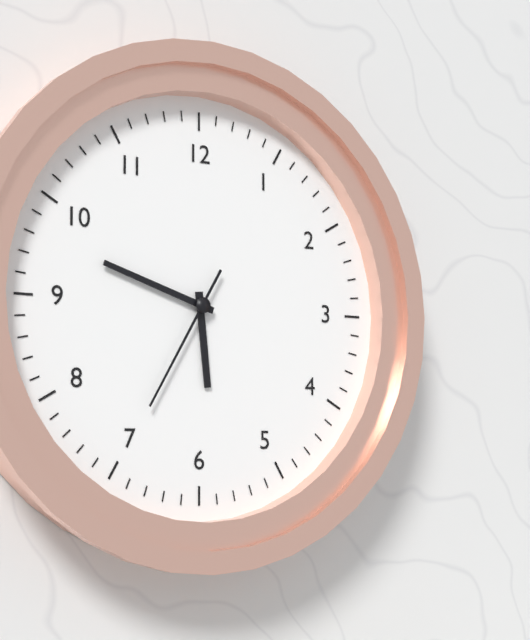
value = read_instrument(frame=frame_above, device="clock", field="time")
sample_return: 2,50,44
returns 5,48,35
